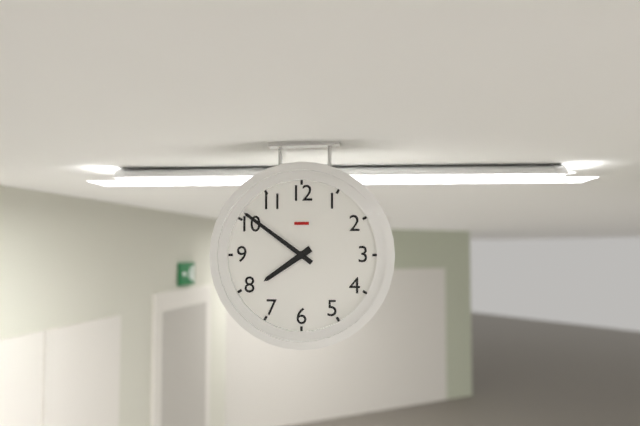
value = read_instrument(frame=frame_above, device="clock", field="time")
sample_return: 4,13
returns 7,51
